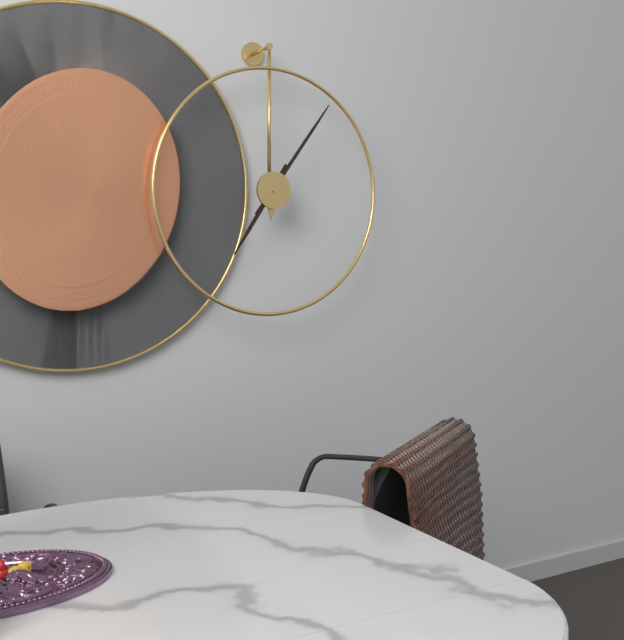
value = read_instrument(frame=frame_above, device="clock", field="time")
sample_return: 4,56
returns 7,06
